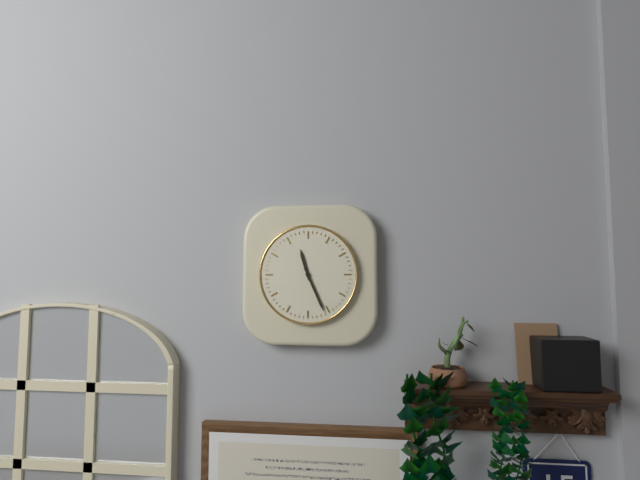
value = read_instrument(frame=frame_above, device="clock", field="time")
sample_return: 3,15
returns 11,26
